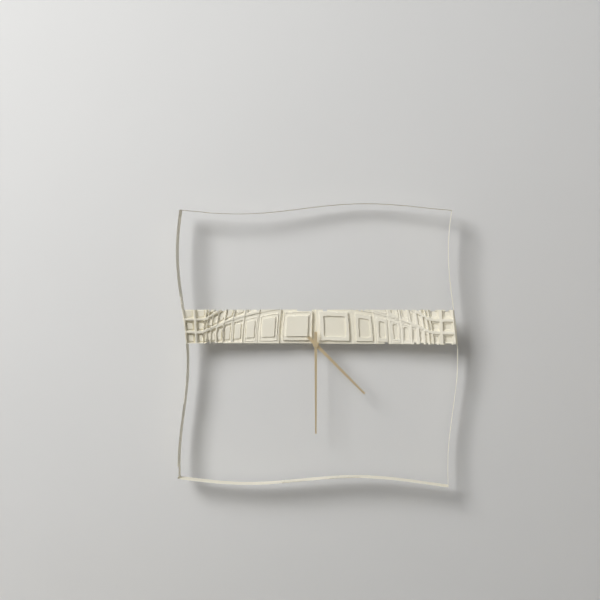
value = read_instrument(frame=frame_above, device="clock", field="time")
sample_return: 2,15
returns 4,30
